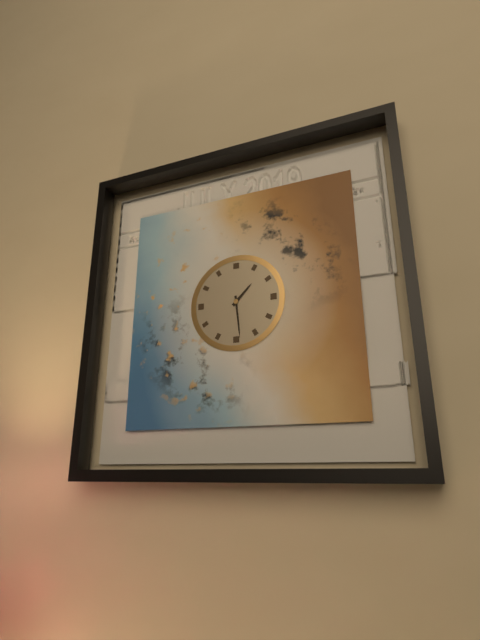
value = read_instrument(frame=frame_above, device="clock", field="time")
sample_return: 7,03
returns 1,29
